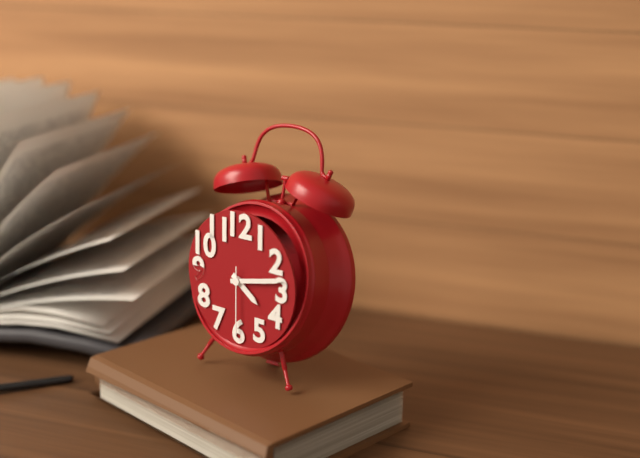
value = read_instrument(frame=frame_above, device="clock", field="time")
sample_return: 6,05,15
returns 4,13,30
